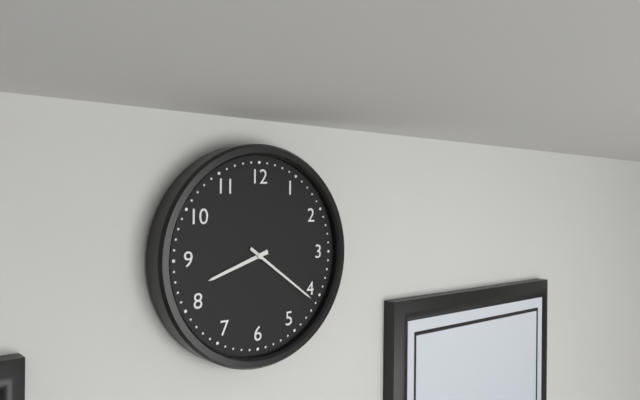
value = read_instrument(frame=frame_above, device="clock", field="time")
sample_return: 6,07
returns 8,21
